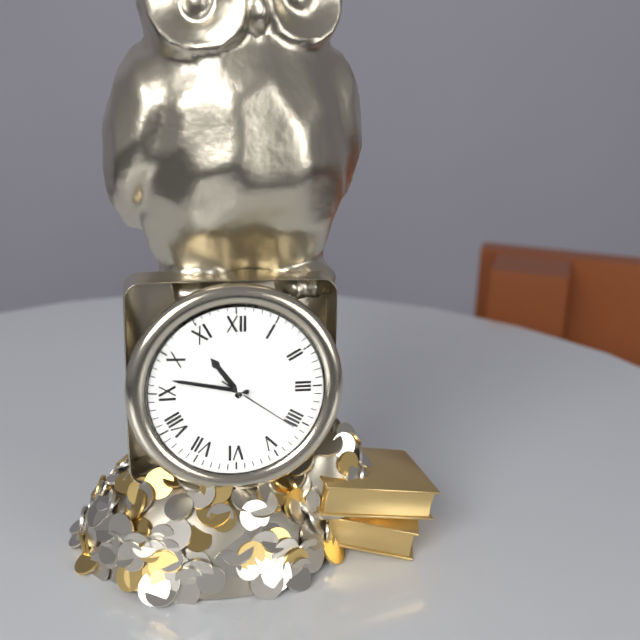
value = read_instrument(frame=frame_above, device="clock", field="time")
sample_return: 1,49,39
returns 10,47,21
